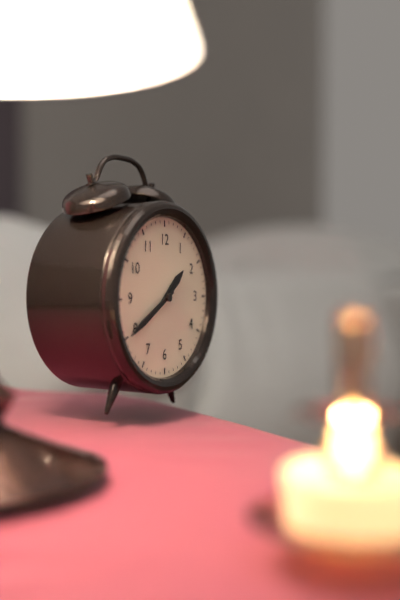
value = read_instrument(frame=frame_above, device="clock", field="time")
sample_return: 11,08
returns 1,40
